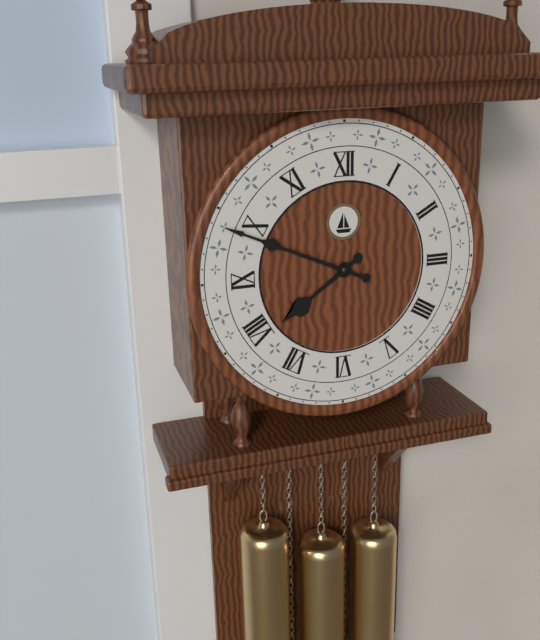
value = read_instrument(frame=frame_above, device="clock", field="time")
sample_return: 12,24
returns 7,49
